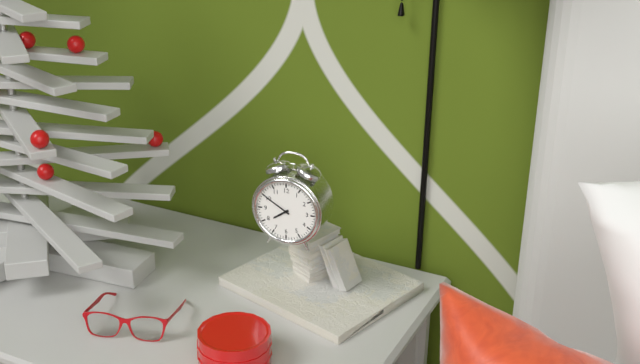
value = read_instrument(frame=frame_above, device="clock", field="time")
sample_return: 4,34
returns 7,50
